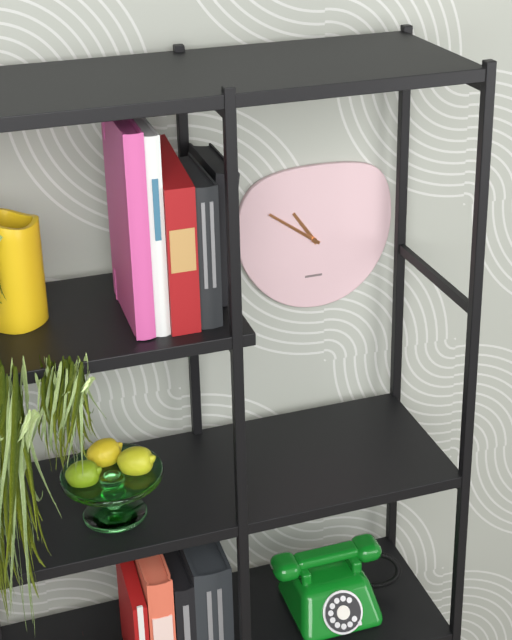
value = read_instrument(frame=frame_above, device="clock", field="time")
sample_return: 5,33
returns 10,51
